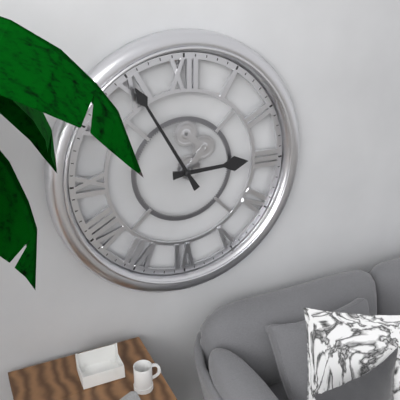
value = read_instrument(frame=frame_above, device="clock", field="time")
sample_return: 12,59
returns 2,55
